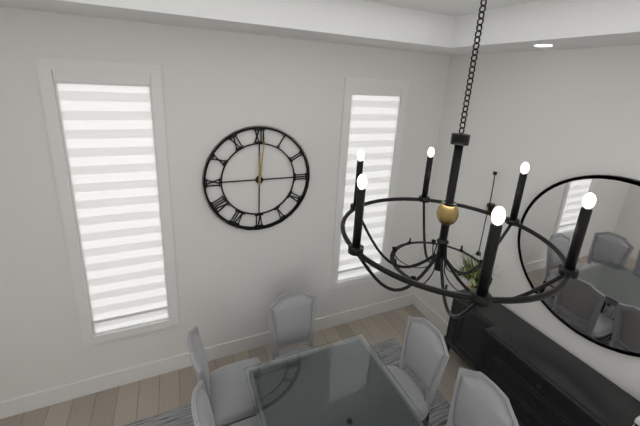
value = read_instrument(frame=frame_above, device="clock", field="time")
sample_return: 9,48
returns 12,01
